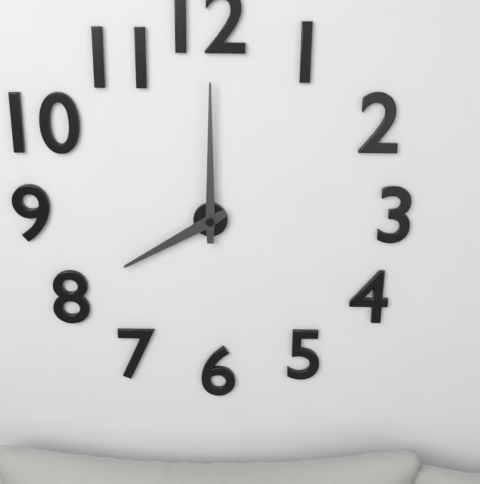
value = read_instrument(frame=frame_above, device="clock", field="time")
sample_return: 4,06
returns 8,00
